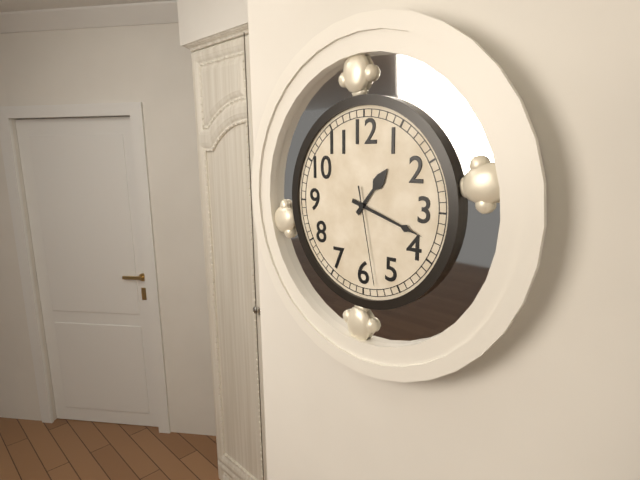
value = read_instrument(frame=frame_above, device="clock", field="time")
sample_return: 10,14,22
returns 1,18,28
